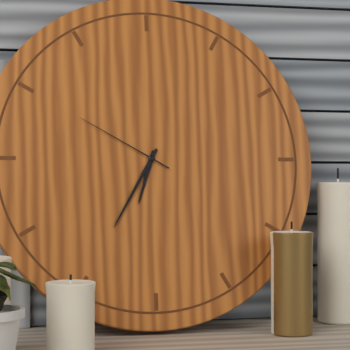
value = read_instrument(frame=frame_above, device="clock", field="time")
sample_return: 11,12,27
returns 6,35,50
